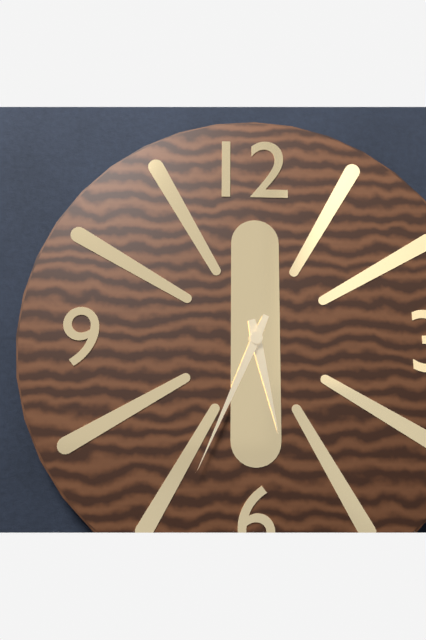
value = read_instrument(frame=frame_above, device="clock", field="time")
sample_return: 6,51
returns 5,34
